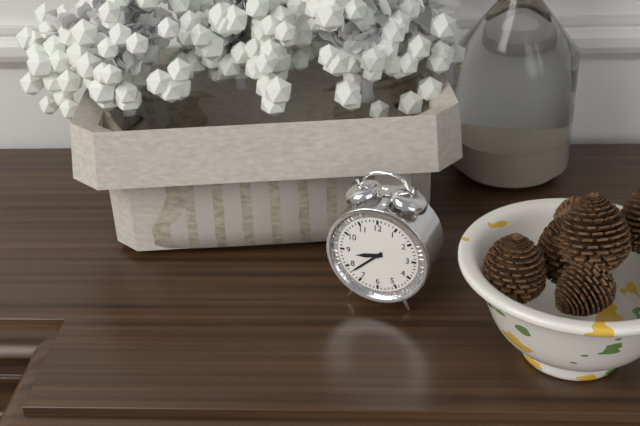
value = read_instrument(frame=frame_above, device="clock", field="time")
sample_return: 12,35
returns 8,38
